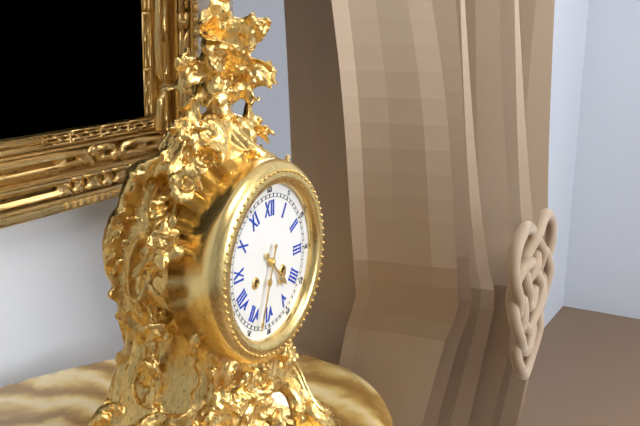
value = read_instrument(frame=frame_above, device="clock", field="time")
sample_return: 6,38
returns 4,33
